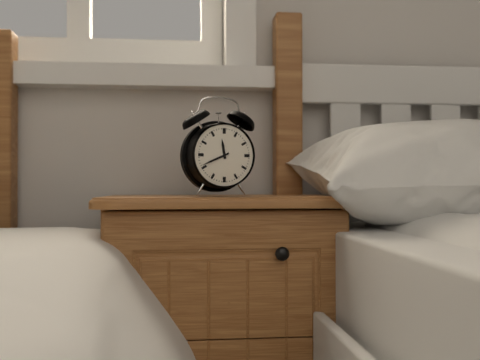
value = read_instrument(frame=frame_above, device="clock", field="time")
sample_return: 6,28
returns 11,41
